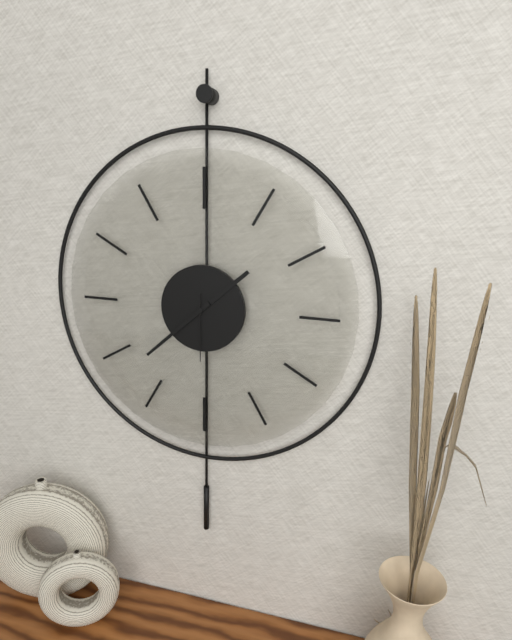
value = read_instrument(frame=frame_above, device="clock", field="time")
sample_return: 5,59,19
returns 1,38,30
